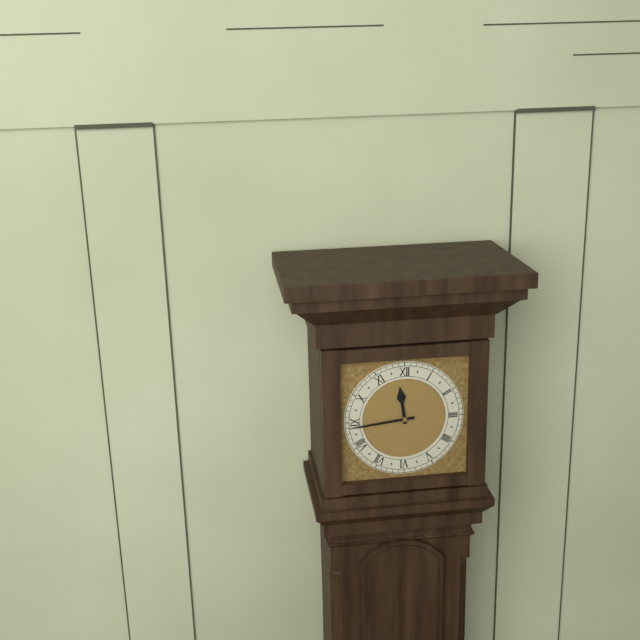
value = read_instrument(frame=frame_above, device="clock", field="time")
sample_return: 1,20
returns 11,44
